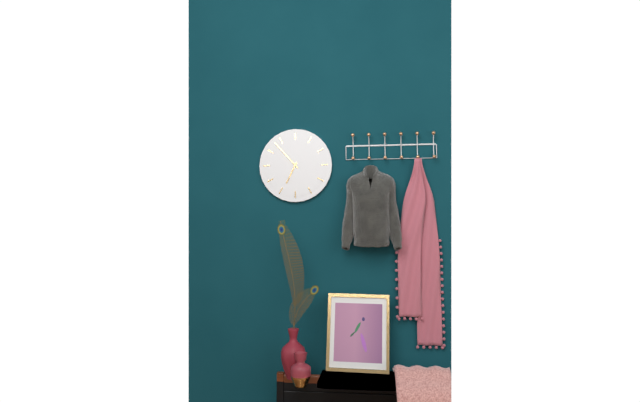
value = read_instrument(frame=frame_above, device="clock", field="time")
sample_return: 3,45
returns 6,53
